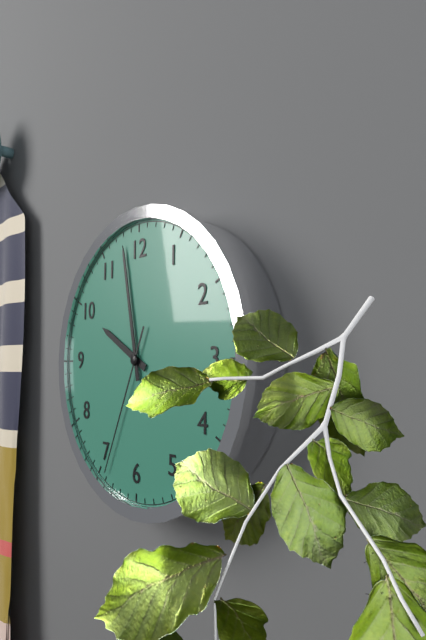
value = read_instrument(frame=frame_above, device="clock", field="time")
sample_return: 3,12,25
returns 9,58,34
